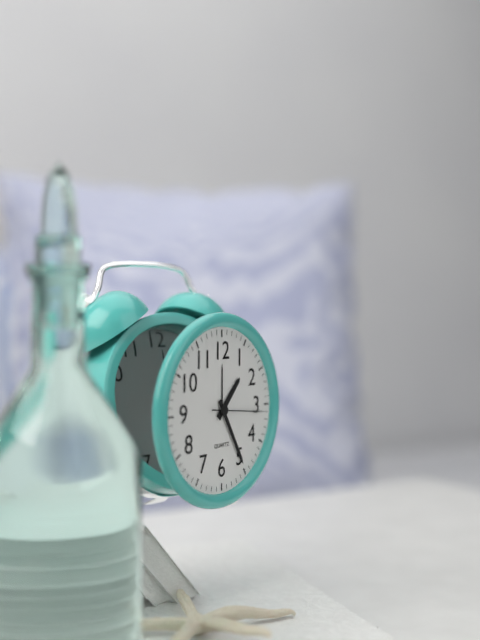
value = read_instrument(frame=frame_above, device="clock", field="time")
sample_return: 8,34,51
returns 1,25,16
